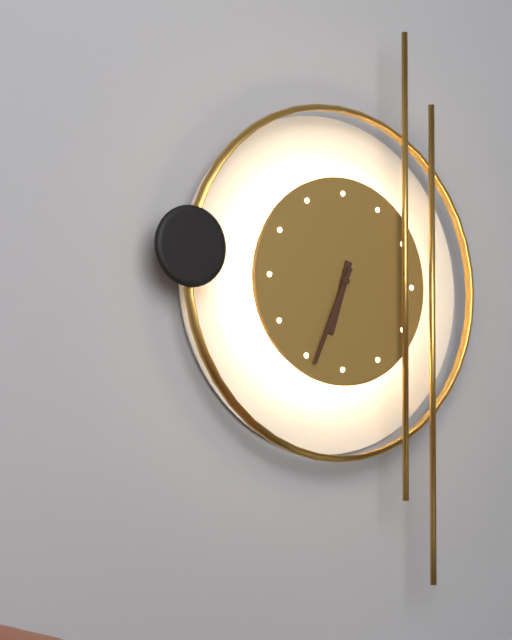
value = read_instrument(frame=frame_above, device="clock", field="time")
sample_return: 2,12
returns 6,34
